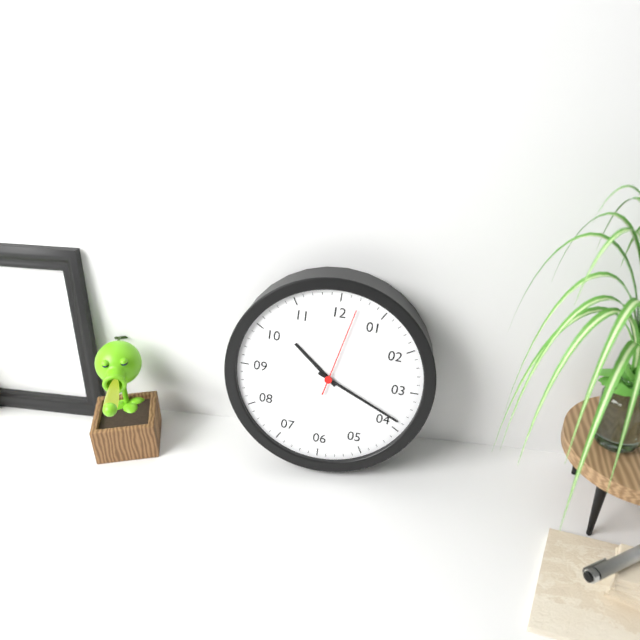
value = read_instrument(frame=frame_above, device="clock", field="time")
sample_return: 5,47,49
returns 10,19,02
